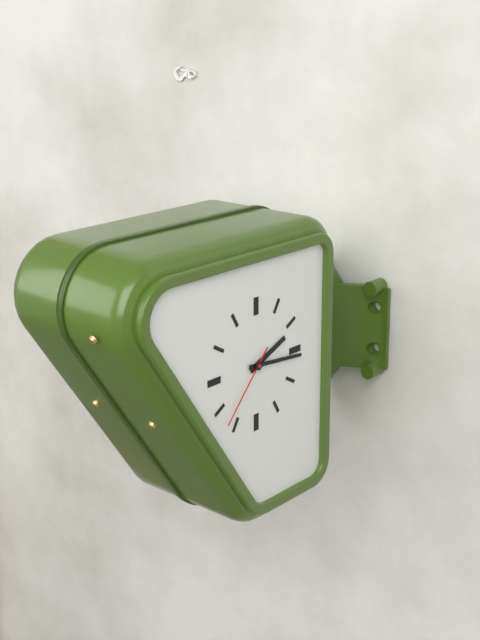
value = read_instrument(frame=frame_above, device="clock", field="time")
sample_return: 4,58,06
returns 2,16,37
